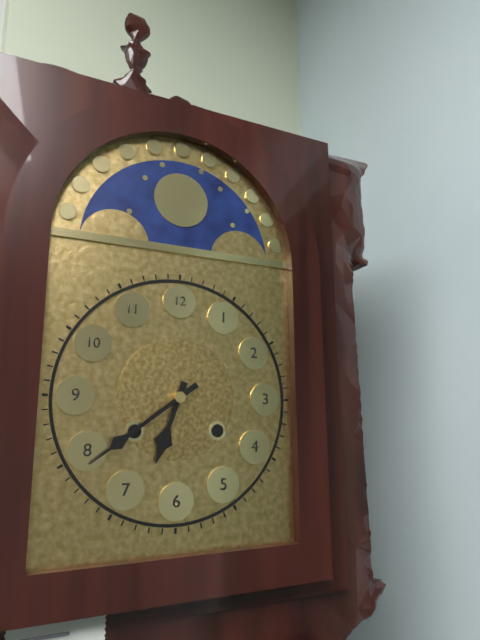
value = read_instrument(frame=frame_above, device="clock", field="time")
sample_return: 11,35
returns 6,39
